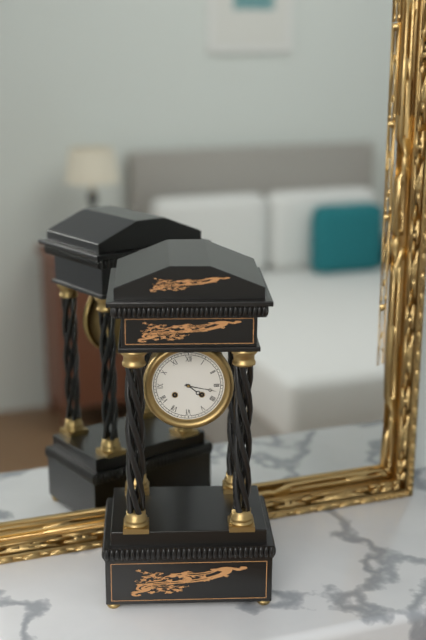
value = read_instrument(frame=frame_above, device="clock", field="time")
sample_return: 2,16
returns 4,17
